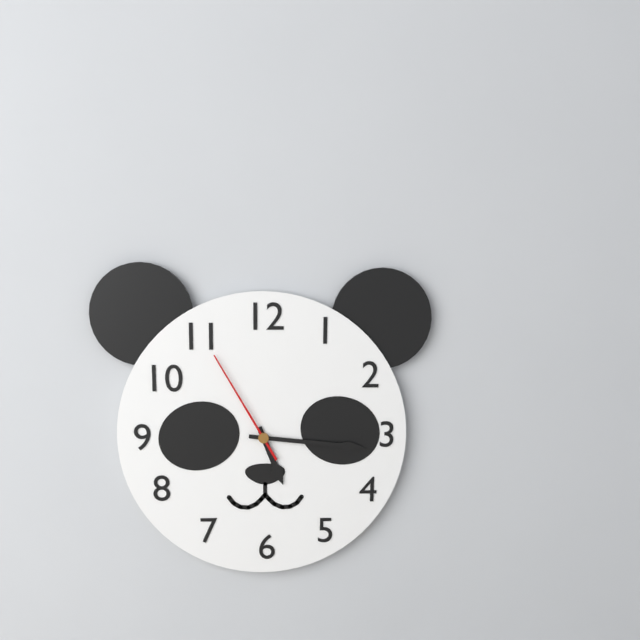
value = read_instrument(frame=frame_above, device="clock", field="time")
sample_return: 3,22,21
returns 5,16,55
